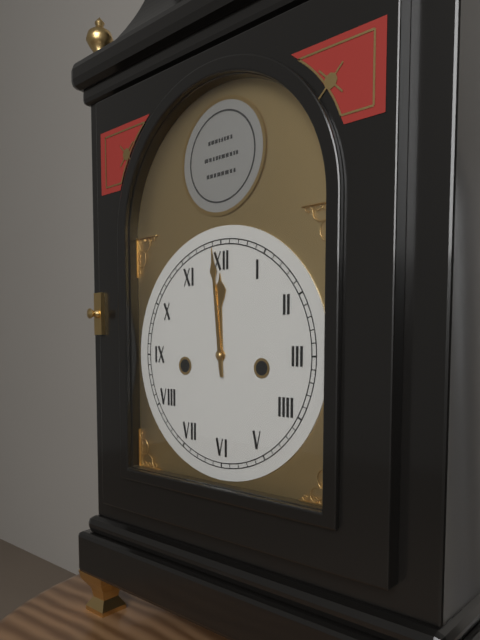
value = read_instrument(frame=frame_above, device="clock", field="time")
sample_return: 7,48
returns 11,59
